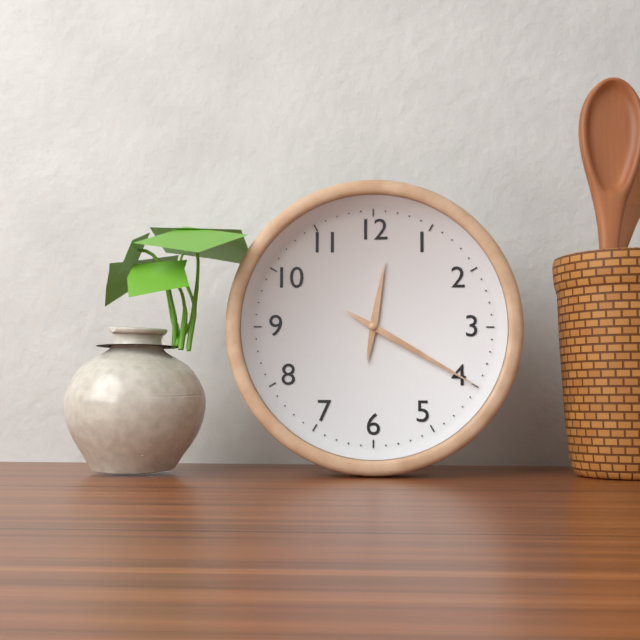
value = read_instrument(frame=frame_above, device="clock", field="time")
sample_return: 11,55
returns 12,20
